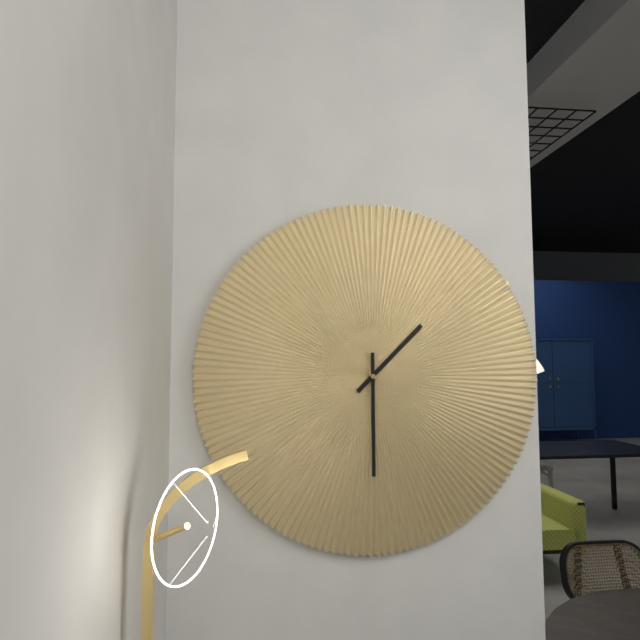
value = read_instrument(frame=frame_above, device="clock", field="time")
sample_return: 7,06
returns 1,30
